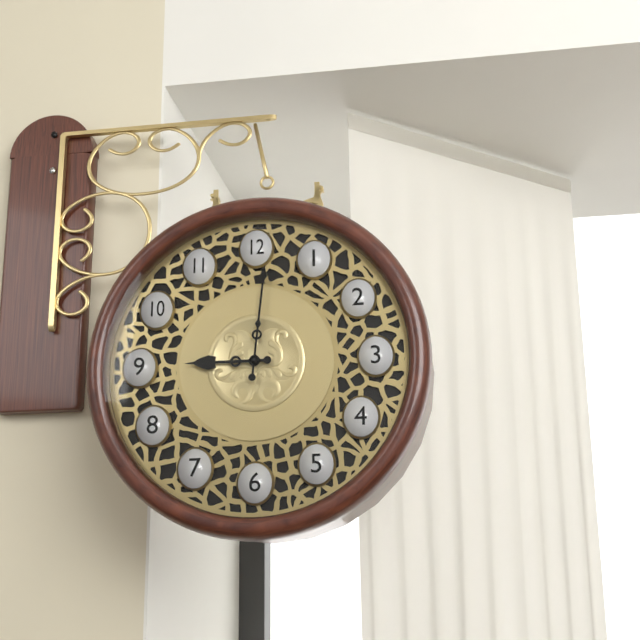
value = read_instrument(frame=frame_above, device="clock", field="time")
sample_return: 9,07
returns 9,01
